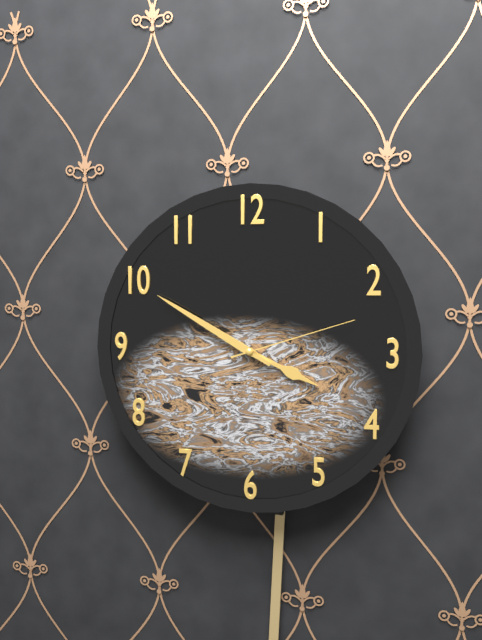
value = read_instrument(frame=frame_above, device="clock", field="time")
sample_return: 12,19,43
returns 3,50,12
